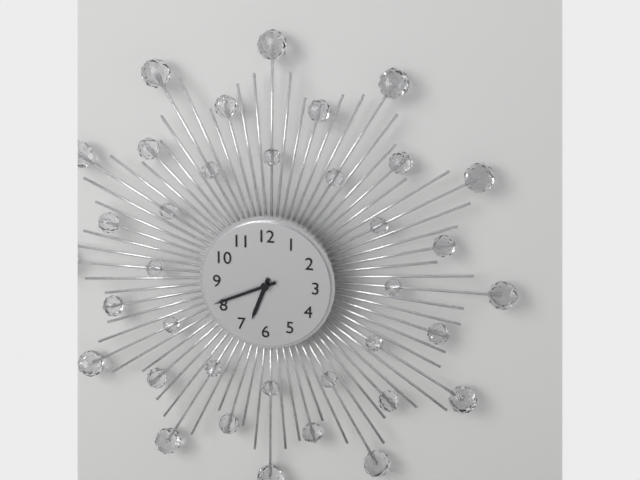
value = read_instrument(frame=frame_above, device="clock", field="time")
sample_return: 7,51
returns 6,41
